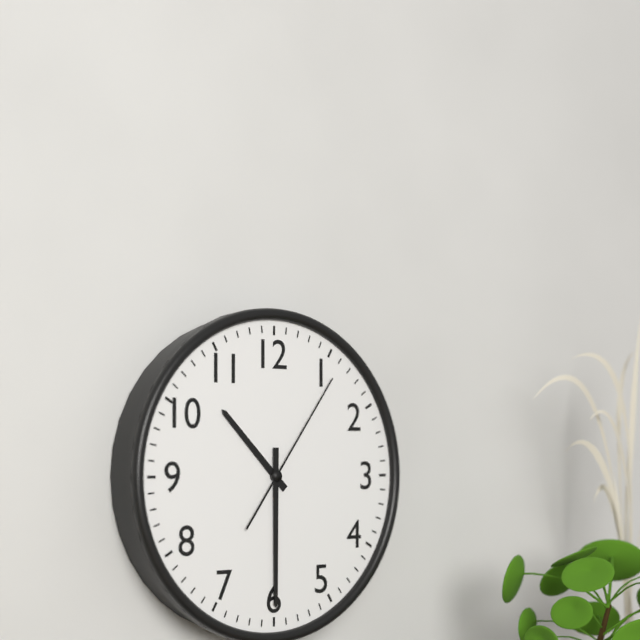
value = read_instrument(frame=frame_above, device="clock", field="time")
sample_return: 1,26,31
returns 10,30,06
